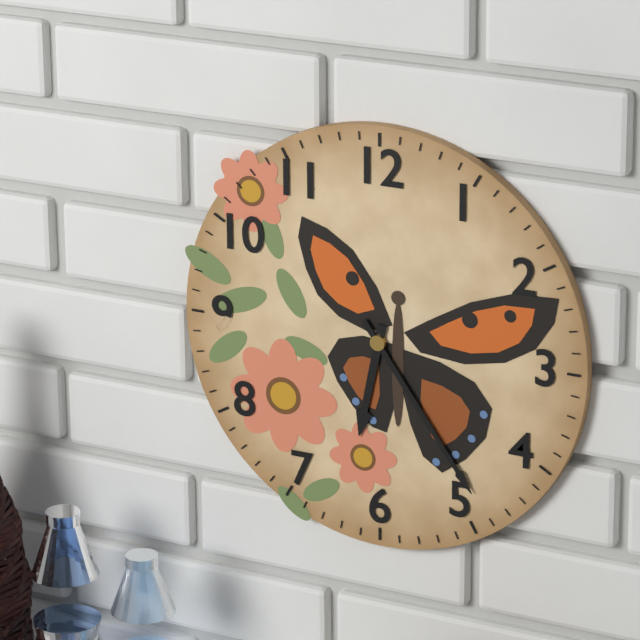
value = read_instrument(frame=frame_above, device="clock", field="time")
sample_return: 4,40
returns 6,24
